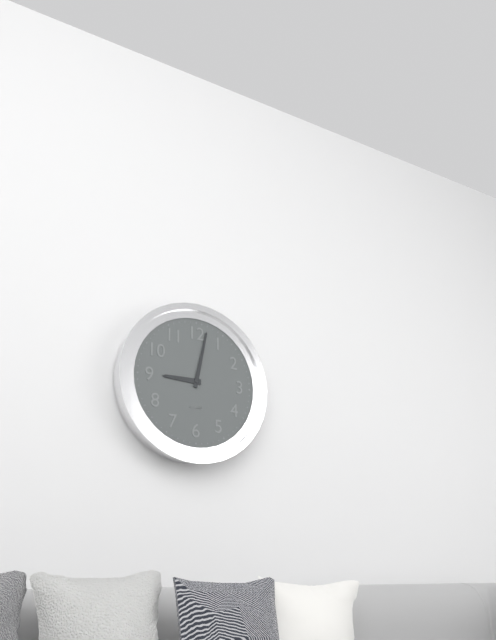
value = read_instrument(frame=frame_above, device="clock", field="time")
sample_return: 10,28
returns 9,02
